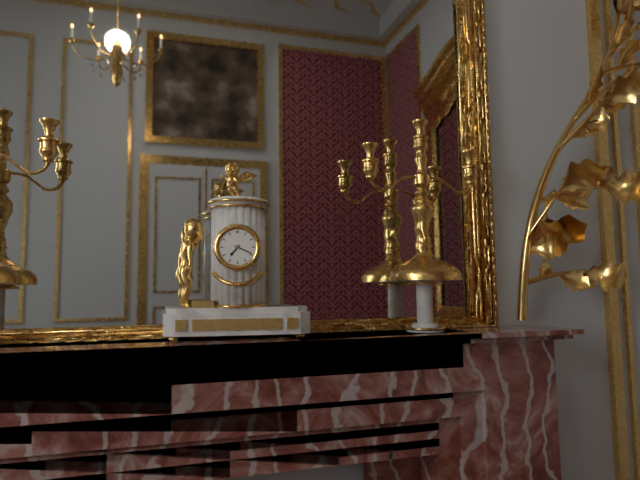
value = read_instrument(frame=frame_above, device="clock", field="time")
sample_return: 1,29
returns 7,19
